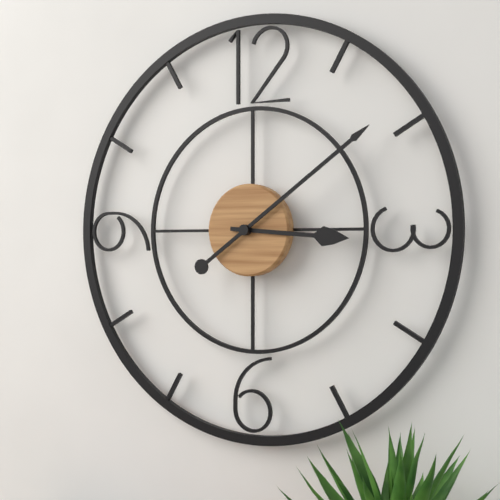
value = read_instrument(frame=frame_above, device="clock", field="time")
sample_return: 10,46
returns 3,09
